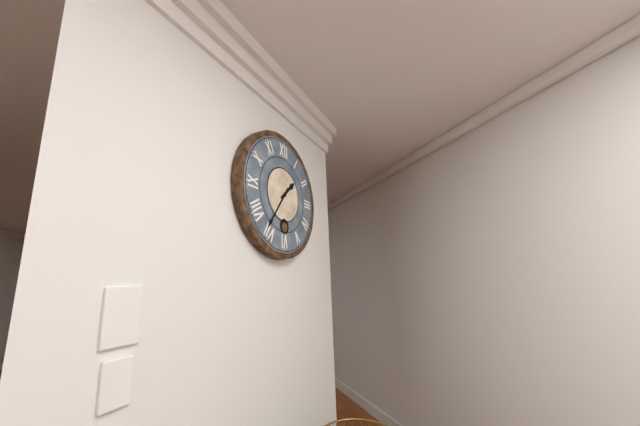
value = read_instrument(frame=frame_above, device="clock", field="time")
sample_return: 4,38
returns 1,36
